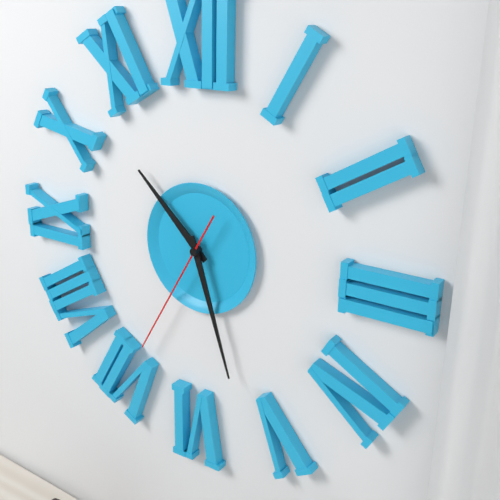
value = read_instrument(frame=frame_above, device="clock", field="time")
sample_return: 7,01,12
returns 10,27,35
